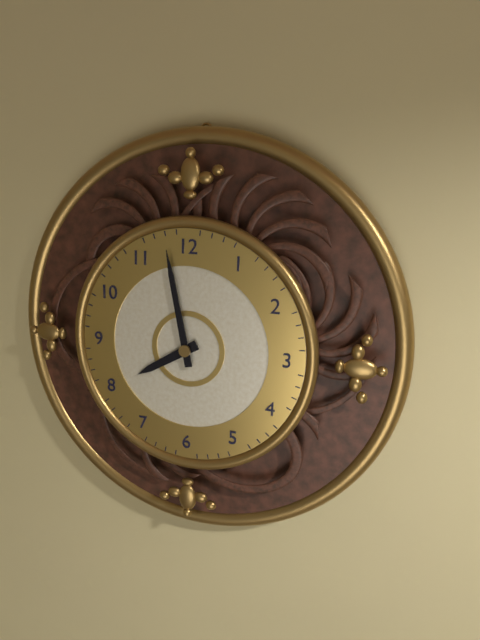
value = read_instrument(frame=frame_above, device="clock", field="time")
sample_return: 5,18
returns 7,58
